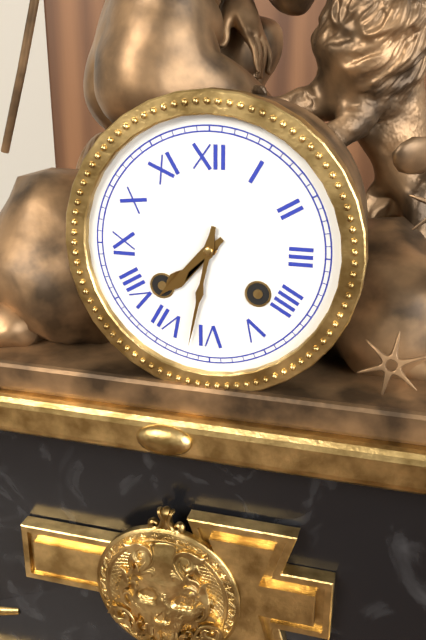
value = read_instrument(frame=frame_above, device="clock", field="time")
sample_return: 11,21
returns 7,32
